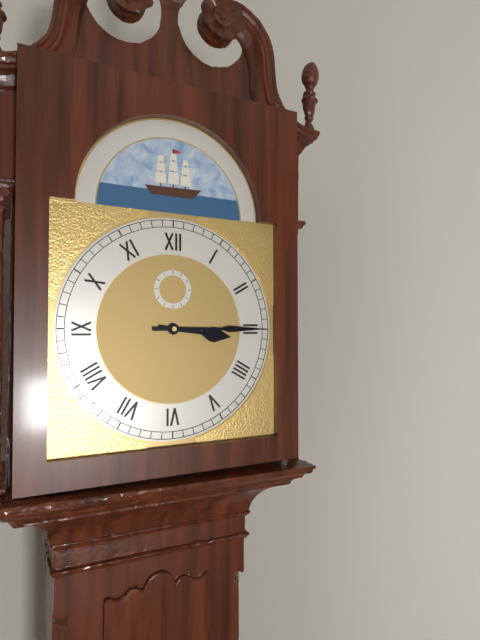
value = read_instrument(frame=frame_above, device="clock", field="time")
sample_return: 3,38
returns 3,15
